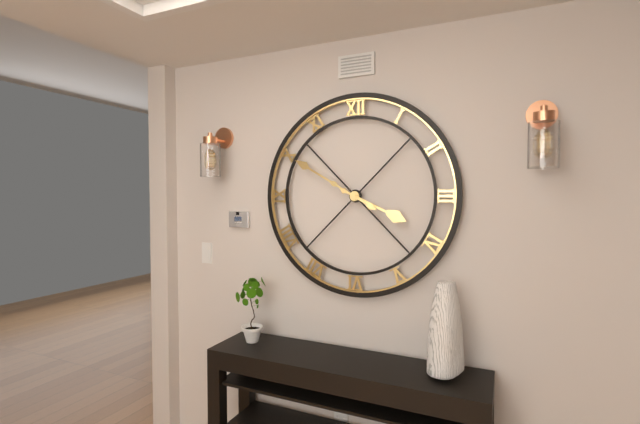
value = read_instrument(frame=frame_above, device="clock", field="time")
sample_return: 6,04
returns 3,50
